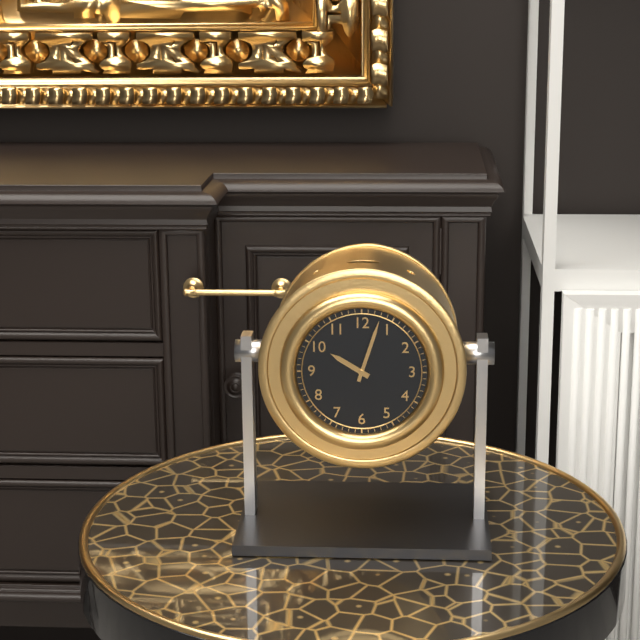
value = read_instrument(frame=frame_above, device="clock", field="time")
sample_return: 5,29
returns 10,03
